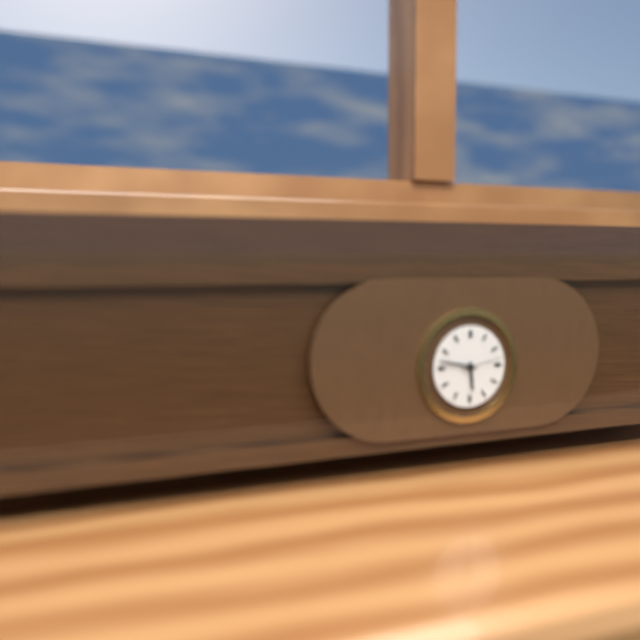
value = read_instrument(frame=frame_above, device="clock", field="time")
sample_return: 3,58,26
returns 5,47,13
